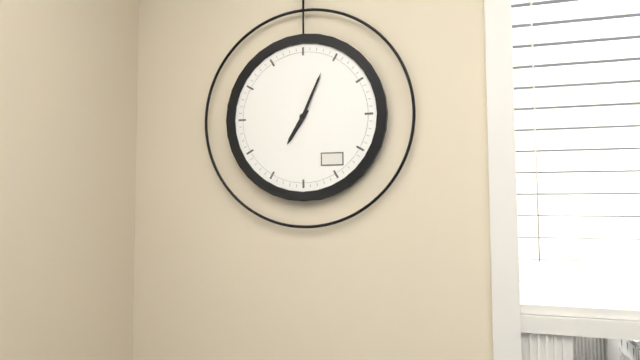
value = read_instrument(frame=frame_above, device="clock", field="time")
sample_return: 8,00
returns 7,04
